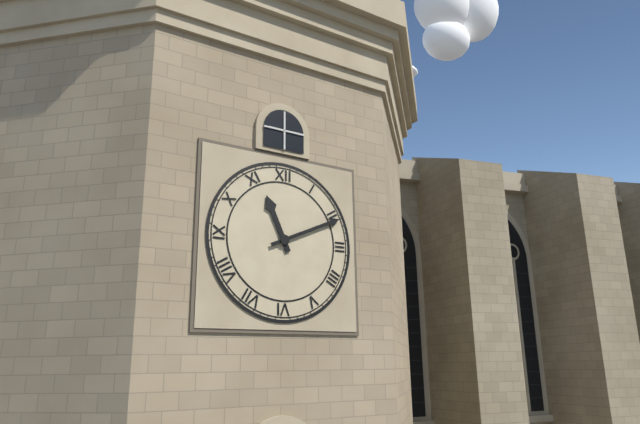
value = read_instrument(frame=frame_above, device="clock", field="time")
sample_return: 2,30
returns 11,11
